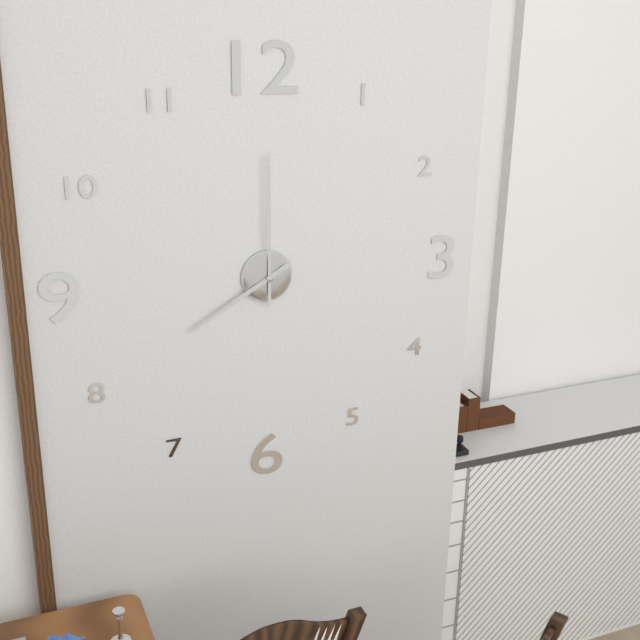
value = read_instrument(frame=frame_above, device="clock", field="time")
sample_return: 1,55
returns 8,00
